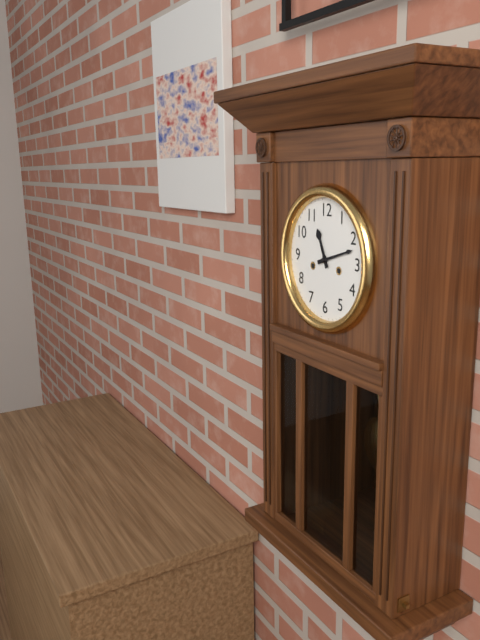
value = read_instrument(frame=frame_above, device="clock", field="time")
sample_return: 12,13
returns 11,12
